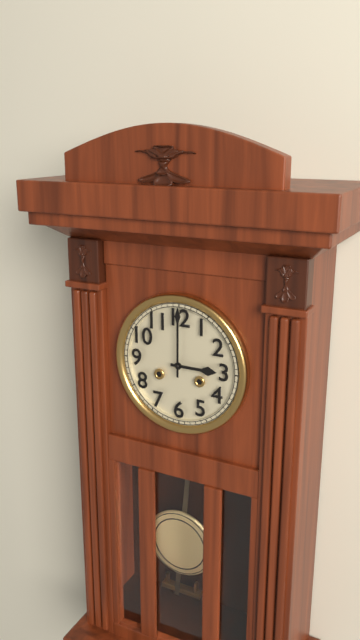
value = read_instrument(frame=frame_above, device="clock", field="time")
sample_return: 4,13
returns 3,00
